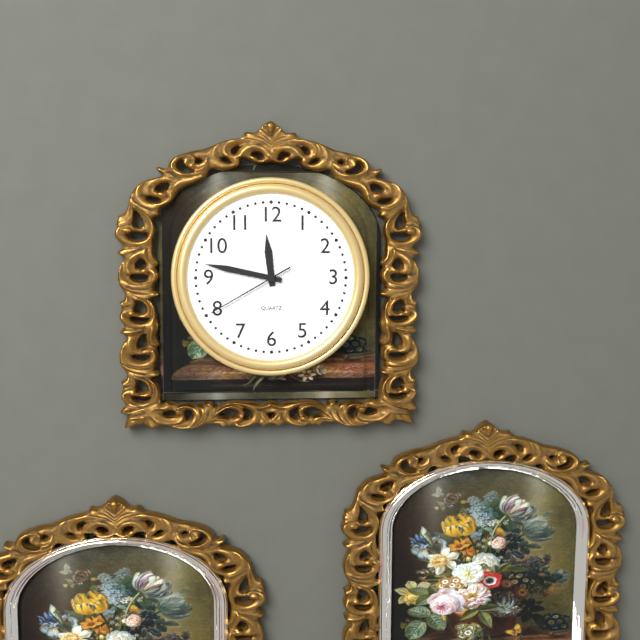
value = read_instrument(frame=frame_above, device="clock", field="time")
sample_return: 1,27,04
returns 11,47,40
